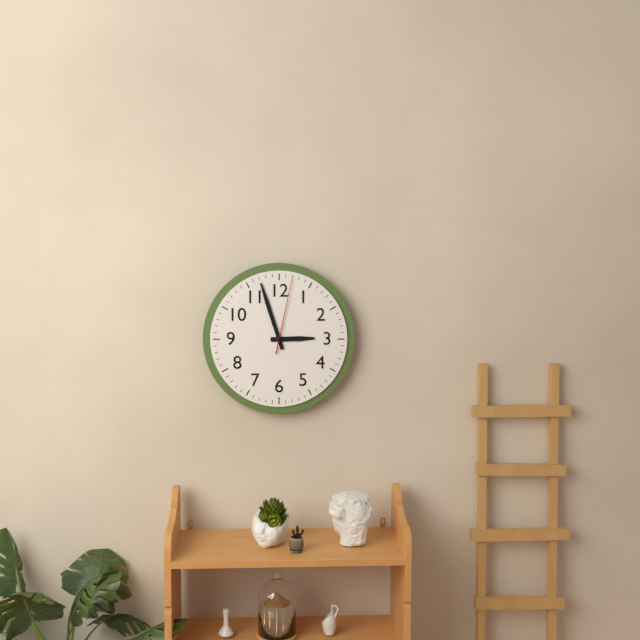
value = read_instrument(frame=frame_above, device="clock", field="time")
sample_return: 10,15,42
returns 2,57,02
